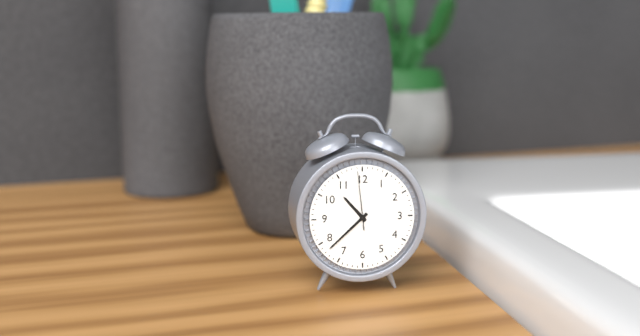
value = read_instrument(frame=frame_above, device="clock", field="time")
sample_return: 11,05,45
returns 10,38,59
